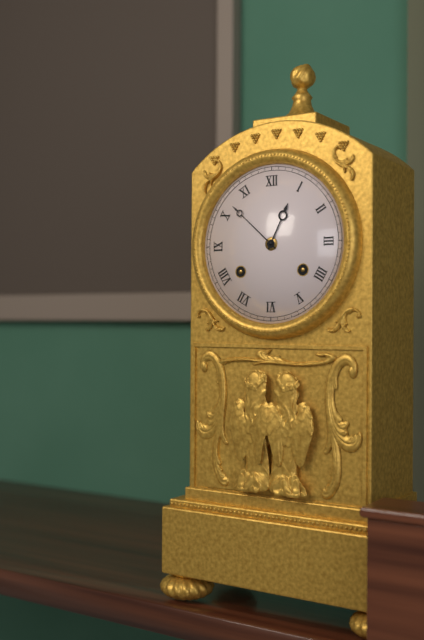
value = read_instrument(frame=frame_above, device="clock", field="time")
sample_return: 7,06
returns 12,52
